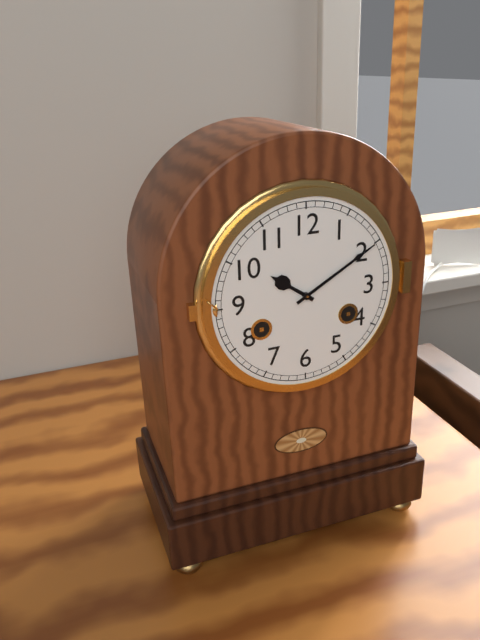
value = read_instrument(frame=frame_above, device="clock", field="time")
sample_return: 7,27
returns 10,10
